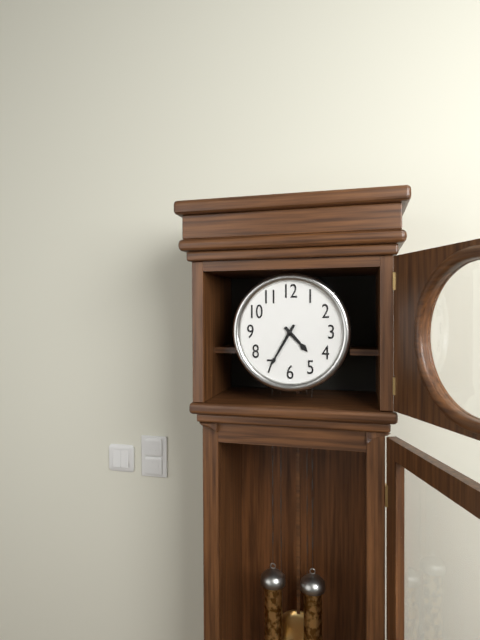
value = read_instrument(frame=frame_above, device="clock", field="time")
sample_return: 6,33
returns 4,35
